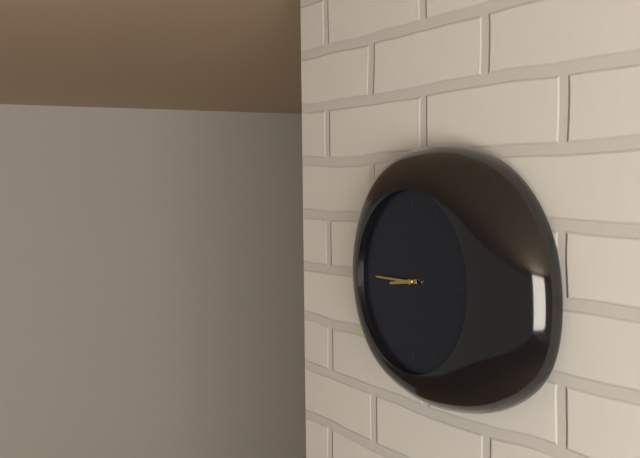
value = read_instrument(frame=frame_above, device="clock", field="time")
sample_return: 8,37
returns 8,45
